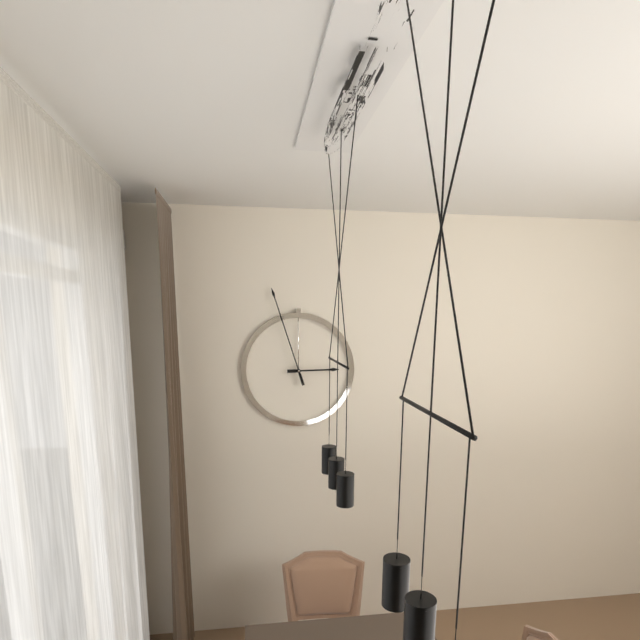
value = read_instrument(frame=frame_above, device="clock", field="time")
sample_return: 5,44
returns 2,57
